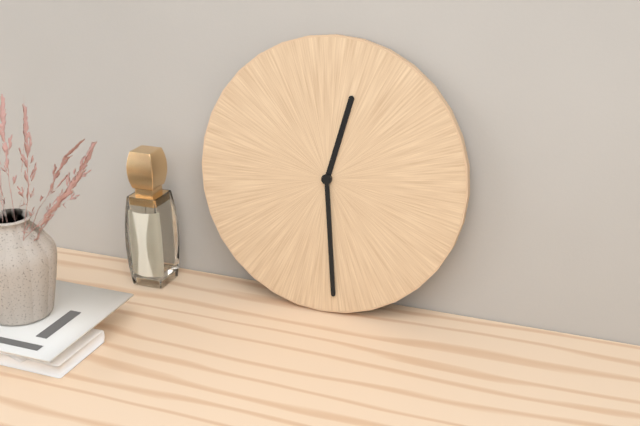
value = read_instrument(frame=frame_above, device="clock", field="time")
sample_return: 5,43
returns 12,29
